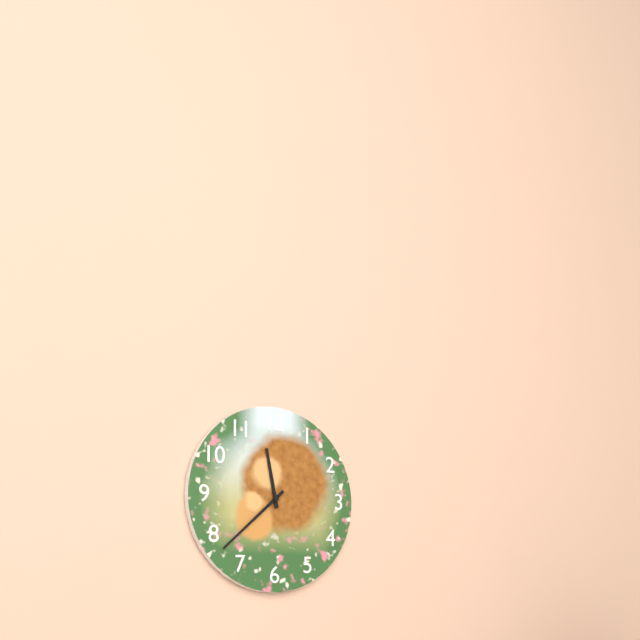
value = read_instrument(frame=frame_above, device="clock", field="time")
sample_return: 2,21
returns 11,38
